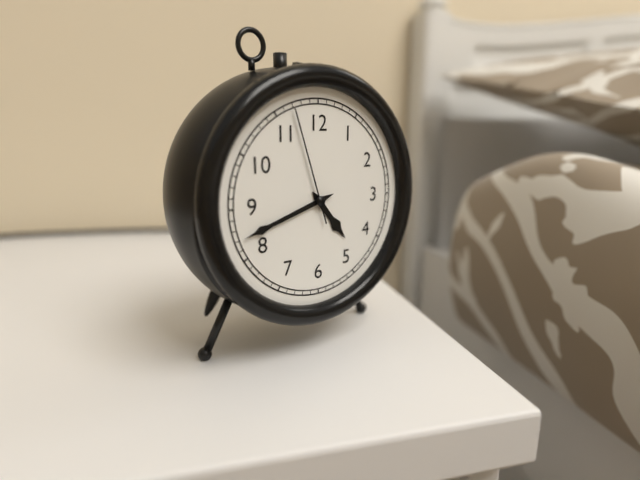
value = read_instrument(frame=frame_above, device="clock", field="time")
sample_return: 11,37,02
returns 4,42,57
